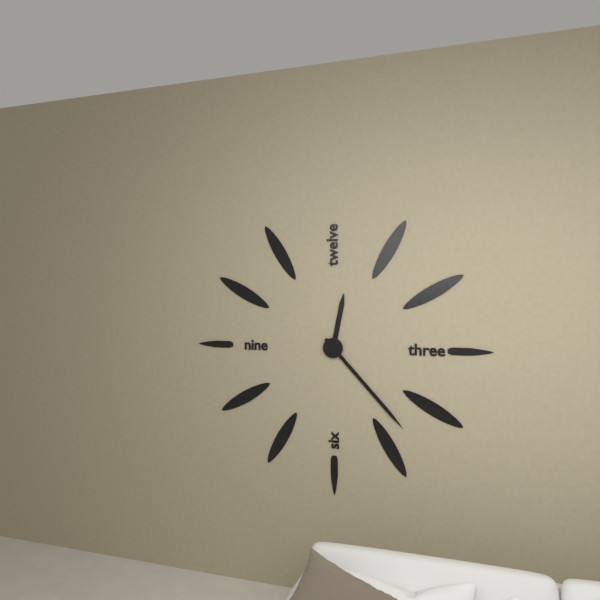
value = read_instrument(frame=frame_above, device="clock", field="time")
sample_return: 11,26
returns 12,23
